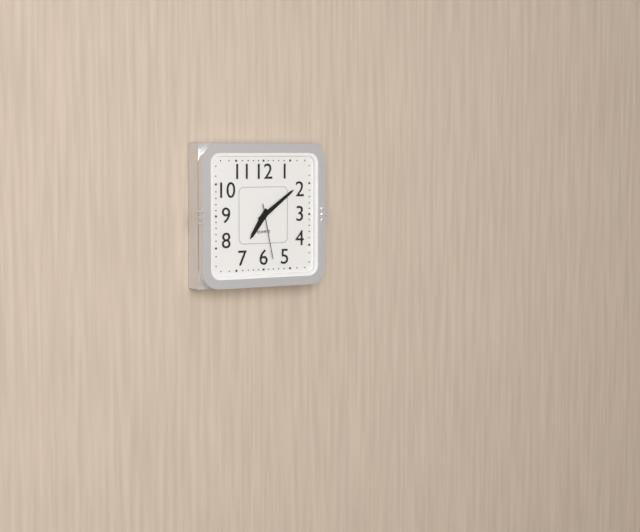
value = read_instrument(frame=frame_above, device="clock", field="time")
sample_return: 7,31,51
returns 7,09,28
